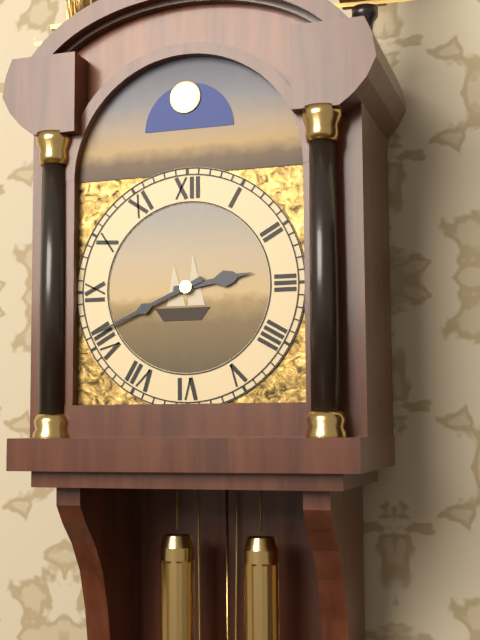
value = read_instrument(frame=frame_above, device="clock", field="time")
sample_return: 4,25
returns 2,41
